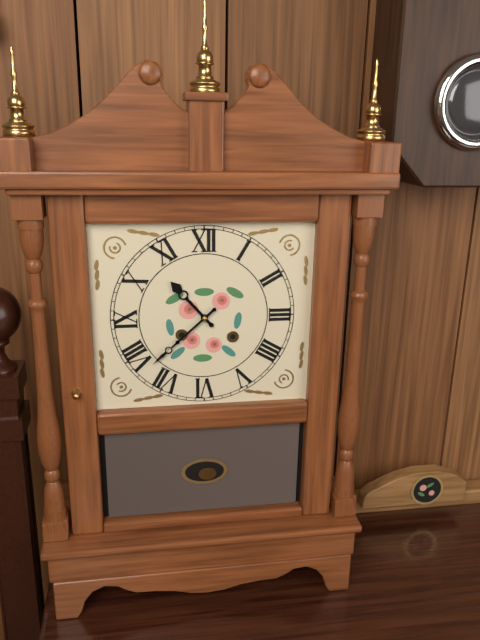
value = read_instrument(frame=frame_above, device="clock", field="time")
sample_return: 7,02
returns 10,38
